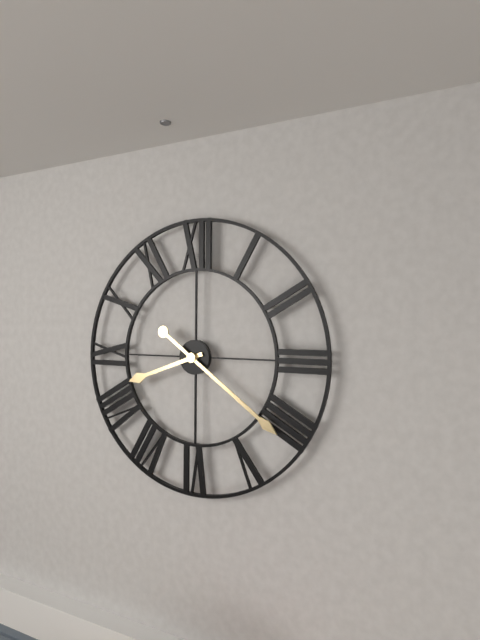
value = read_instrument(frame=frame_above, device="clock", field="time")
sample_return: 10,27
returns 8,21
